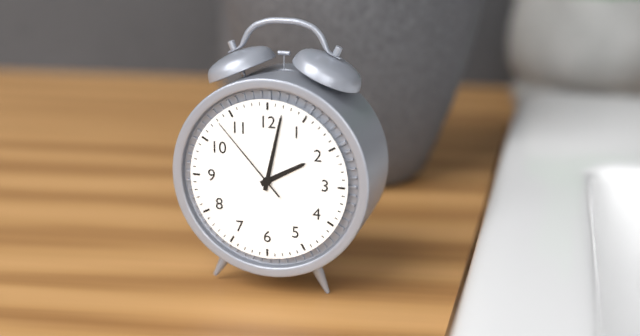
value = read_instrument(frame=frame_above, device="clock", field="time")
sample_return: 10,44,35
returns 2,02,53
